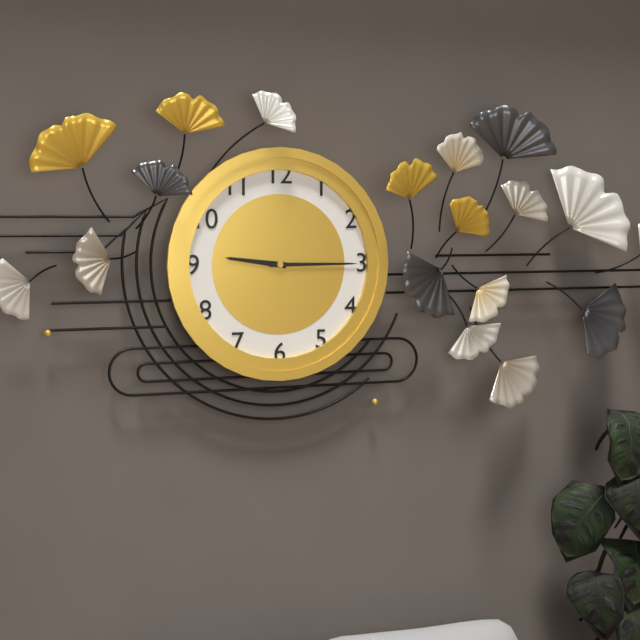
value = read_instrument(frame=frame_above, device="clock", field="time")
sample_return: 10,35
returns 9,15
